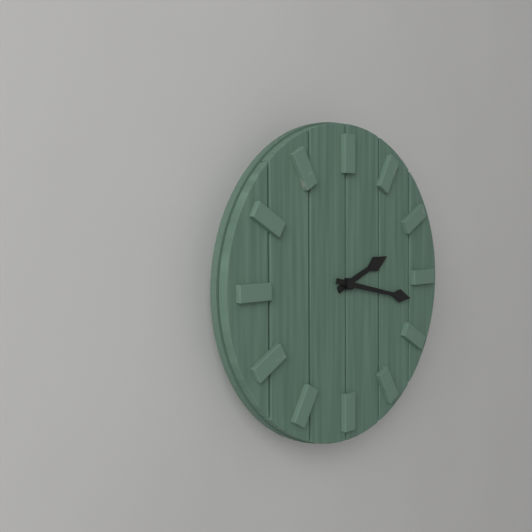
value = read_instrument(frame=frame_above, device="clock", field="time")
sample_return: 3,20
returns 2,17
